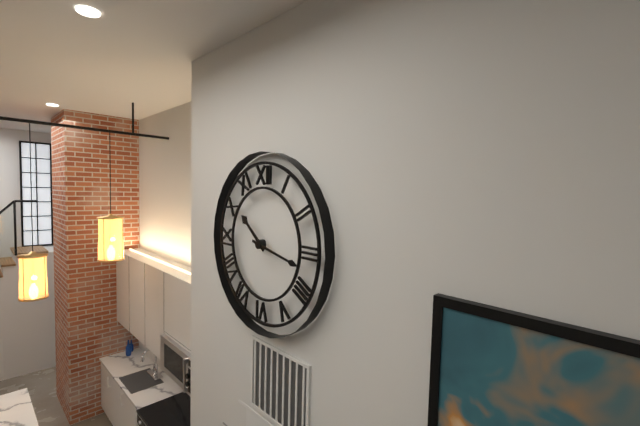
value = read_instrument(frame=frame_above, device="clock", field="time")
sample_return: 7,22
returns 10,17
